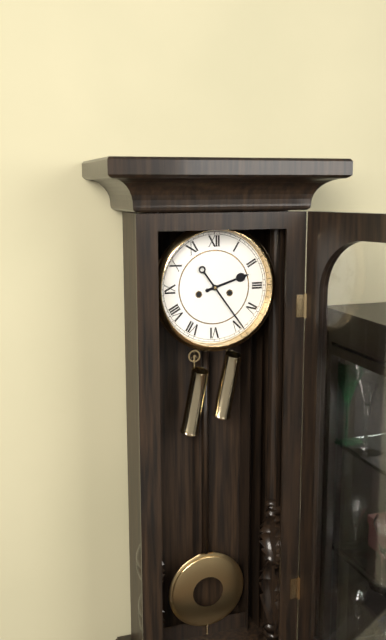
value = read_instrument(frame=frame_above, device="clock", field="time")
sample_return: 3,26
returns 2,24
